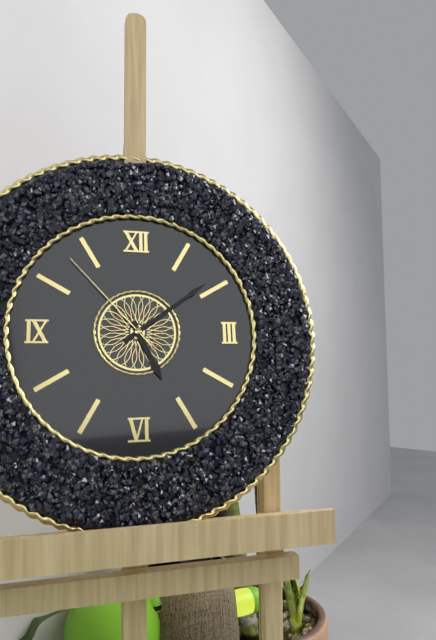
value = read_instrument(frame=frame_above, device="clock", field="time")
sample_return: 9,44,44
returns 5,09,53
